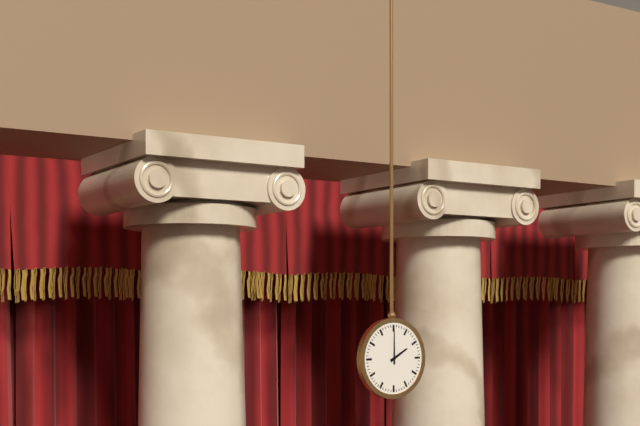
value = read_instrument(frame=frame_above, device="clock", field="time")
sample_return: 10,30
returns 2,00
